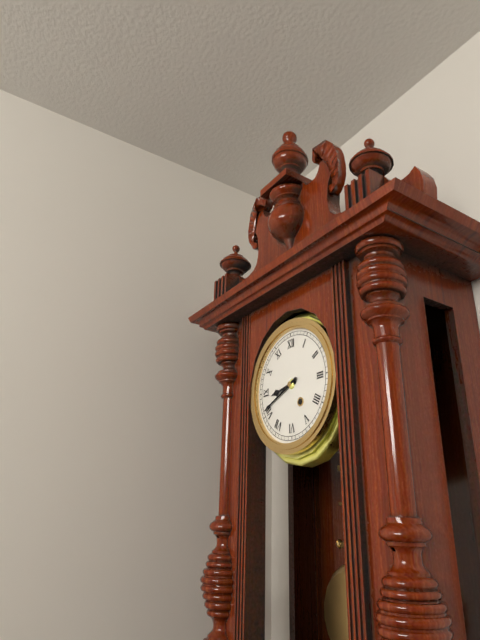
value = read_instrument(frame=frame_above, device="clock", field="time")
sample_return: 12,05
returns 8,41
